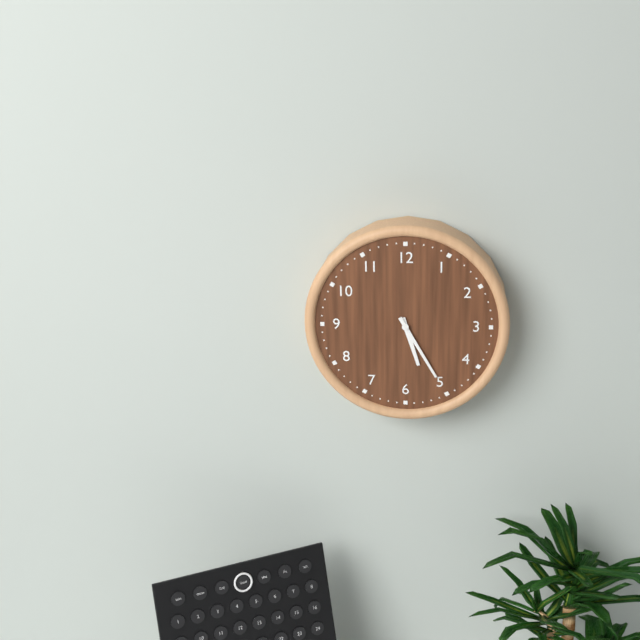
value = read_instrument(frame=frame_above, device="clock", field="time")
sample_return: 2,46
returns 5,25
